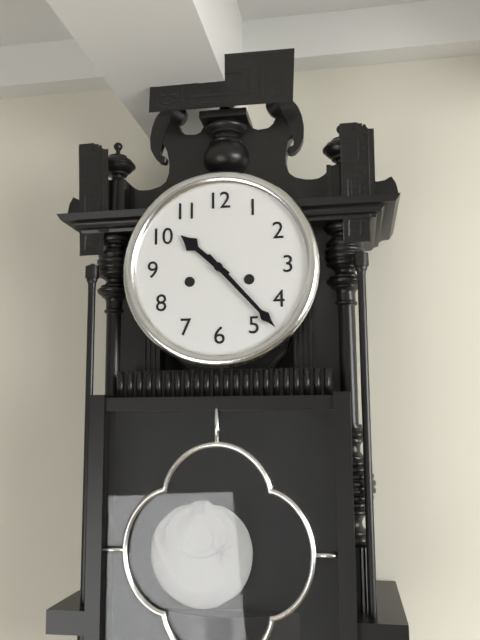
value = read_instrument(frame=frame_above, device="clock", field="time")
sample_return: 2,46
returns 10,23
